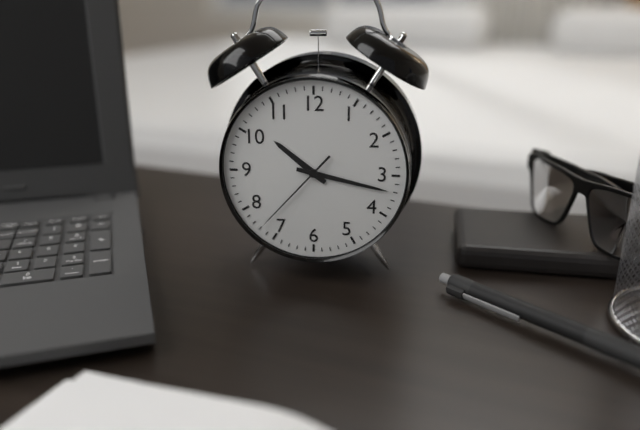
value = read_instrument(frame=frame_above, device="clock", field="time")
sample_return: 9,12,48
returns 10,17,37
